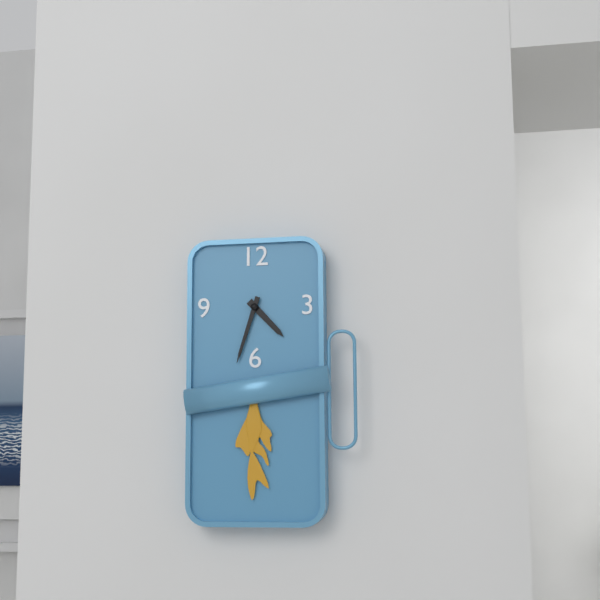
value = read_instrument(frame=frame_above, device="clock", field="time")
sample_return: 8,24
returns 4,33
